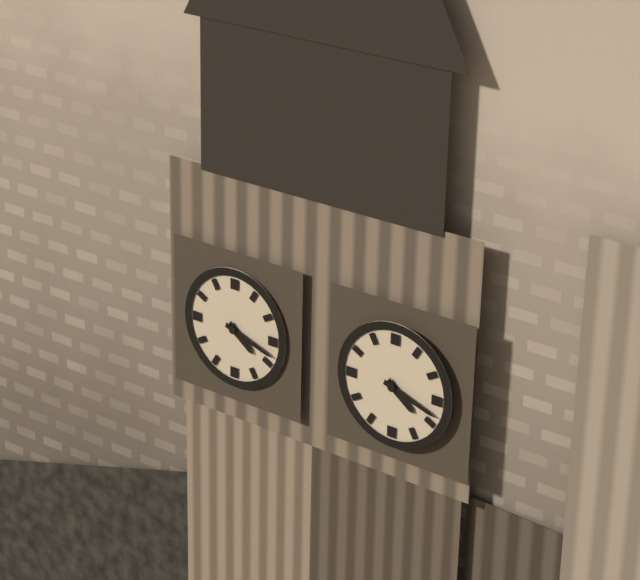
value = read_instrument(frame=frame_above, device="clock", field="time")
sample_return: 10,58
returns 4,18
